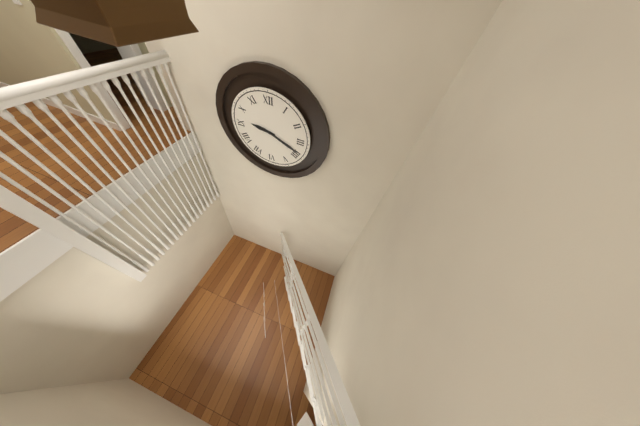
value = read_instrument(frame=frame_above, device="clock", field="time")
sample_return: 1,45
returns 9,19
